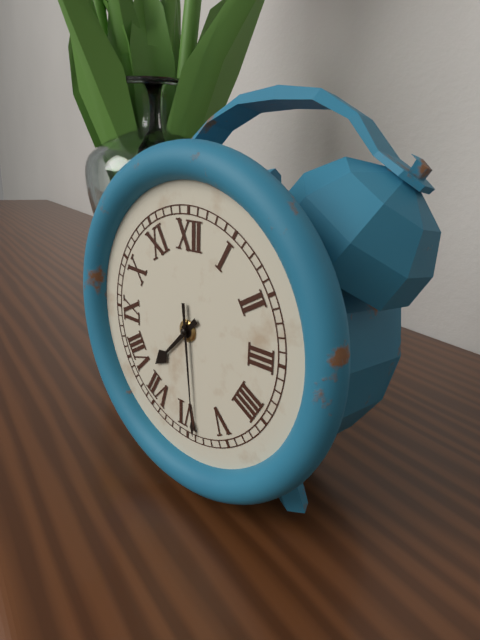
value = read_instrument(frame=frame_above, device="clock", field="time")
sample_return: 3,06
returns 7,29
